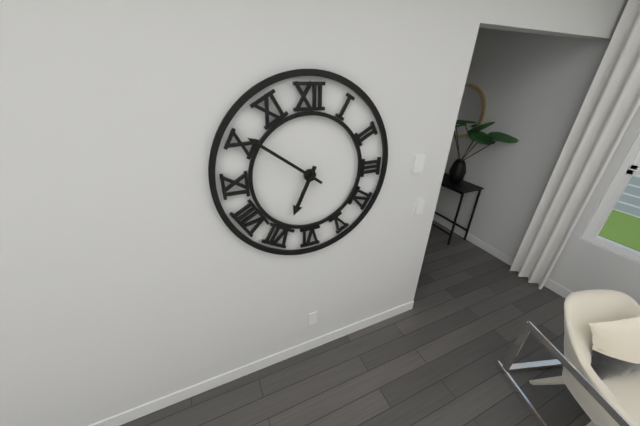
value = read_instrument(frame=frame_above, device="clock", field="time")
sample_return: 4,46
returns 6,51
